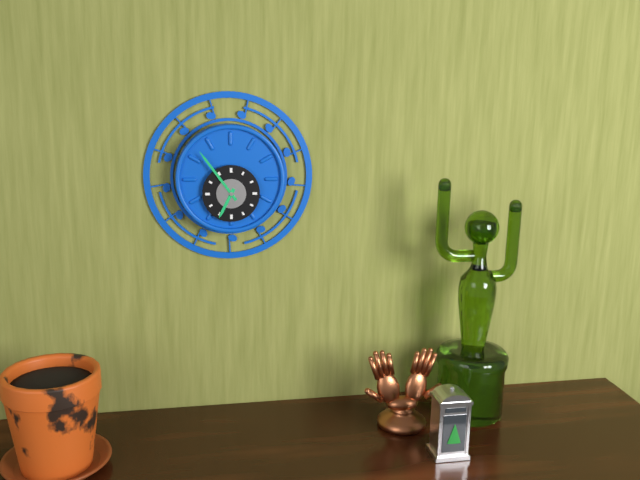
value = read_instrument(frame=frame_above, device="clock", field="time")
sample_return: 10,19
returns 6,54
